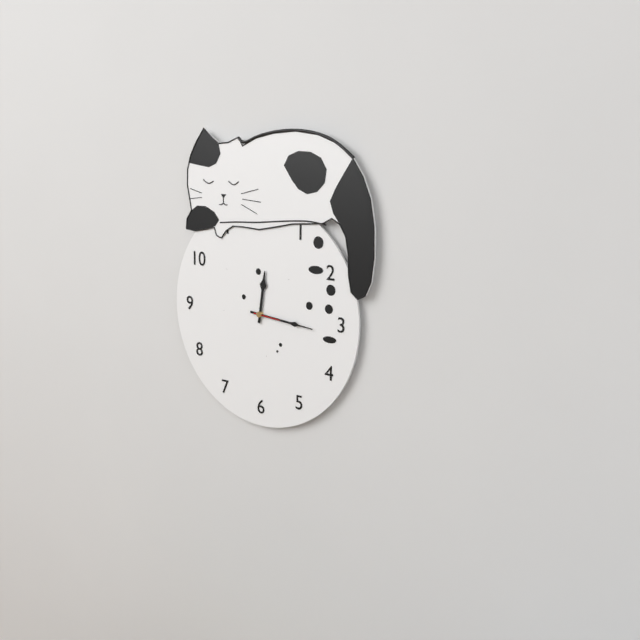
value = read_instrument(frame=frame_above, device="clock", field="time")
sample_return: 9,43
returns 12,16
